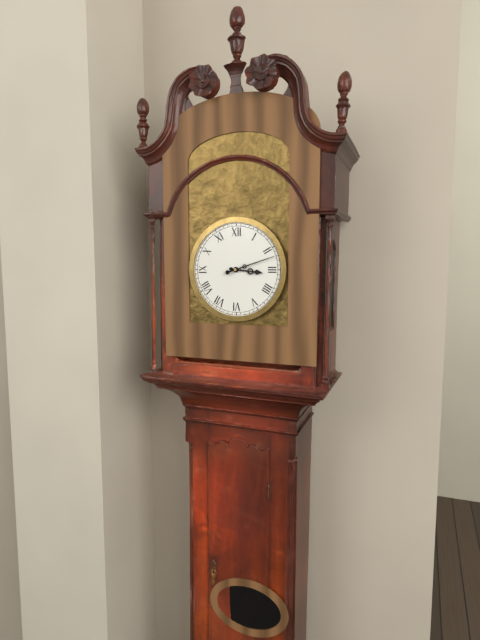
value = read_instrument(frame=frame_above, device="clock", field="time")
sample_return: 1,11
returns 3,12
